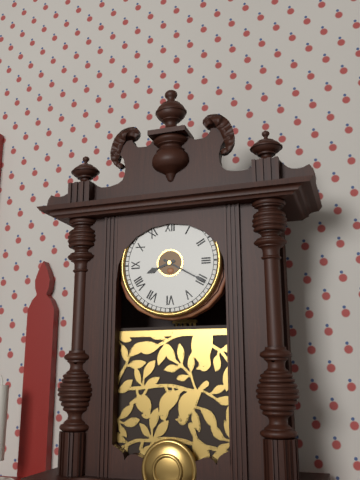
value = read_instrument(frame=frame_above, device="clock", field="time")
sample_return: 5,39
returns 8,20
